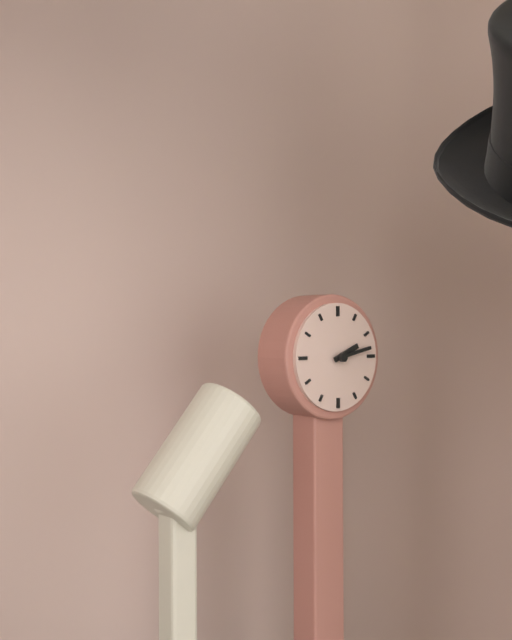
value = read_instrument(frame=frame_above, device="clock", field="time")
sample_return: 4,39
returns 2,13
